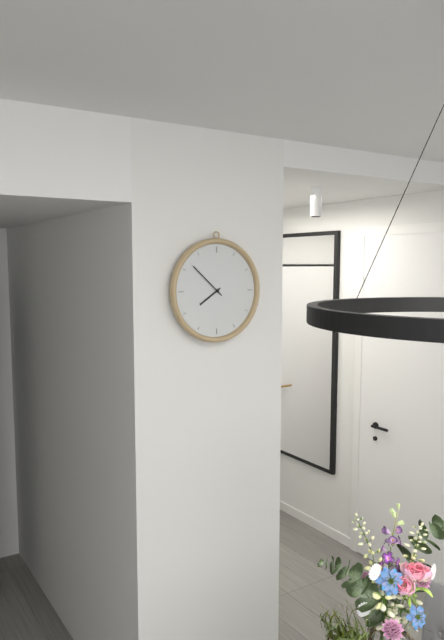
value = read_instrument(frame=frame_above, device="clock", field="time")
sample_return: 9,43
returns 7,52
